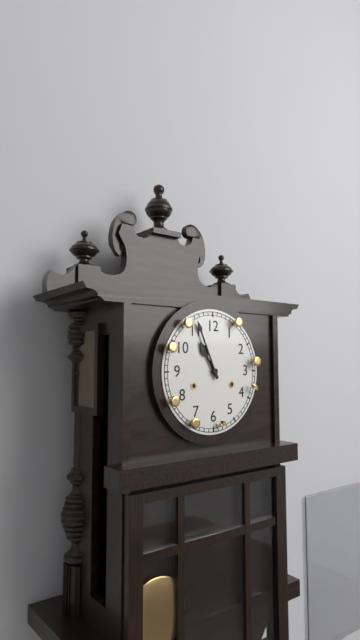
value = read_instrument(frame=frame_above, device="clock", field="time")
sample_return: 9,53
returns 10,56
